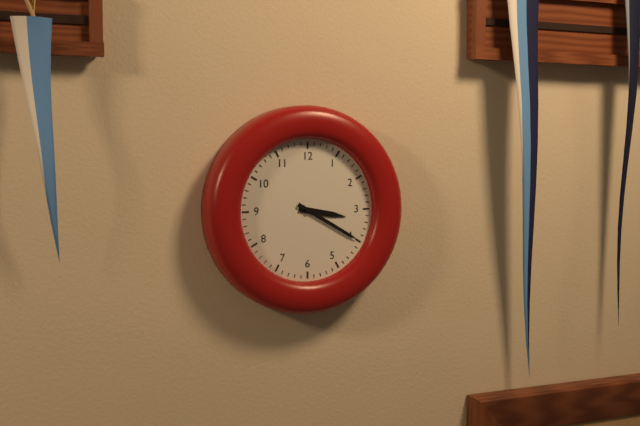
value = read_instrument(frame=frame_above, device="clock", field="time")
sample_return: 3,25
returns 3,20
